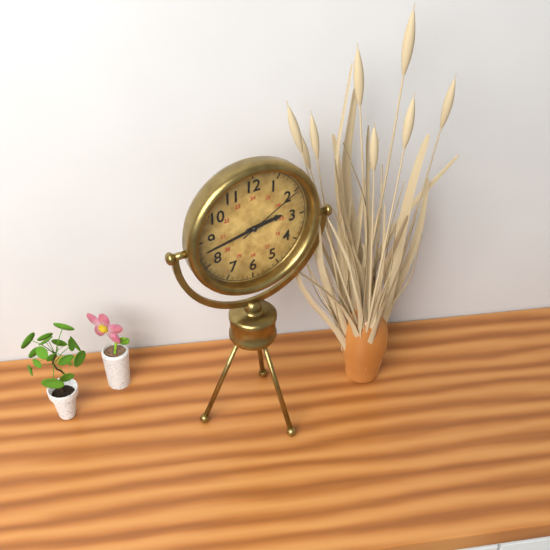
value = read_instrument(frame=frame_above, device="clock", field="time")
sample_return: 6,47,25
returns 2,43,10
